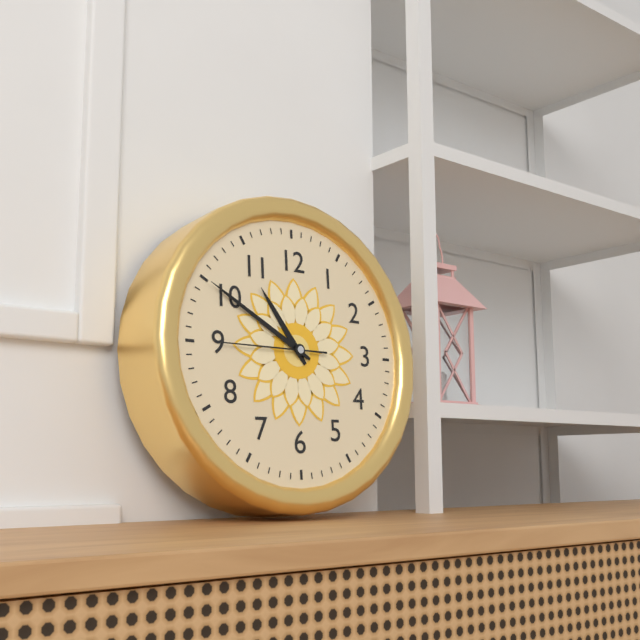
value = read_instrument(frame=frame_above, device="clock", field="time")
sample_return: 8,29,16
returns 10,50,45
